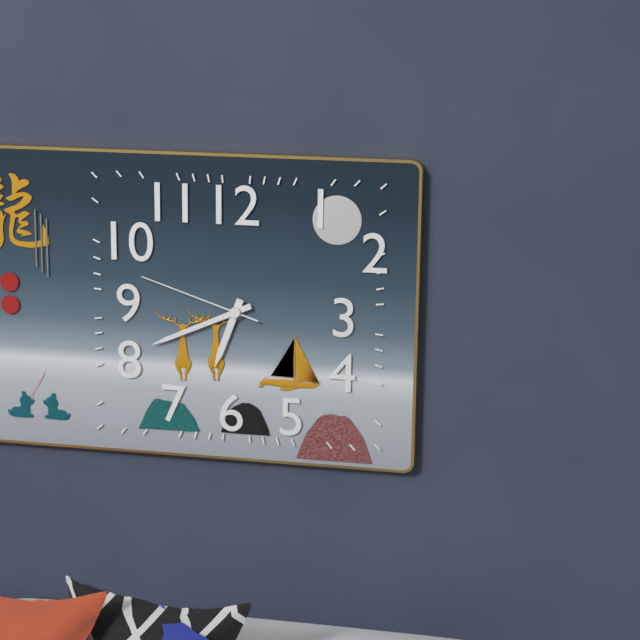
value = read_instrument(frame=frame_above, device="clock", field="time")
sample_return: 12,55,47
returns 6,41,48
